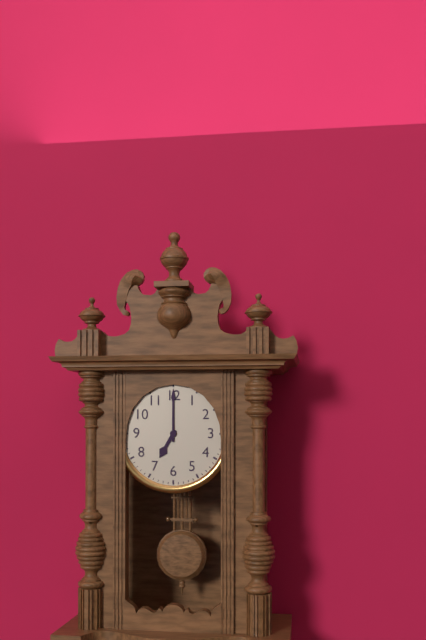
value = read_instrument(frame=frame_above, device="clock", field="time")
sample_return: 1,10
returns 7,00
